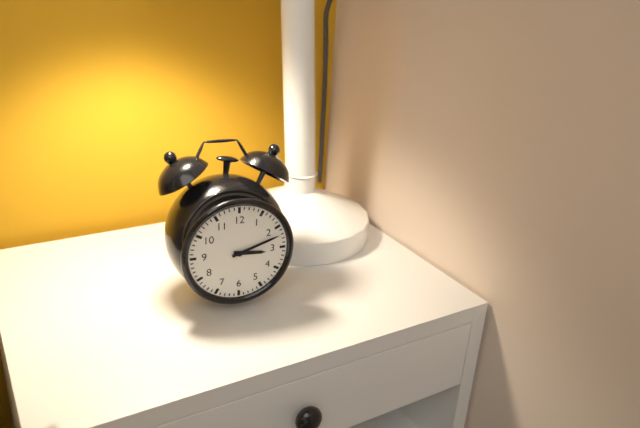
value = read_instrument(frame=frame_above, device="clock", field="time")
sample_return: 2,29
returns 3,12
